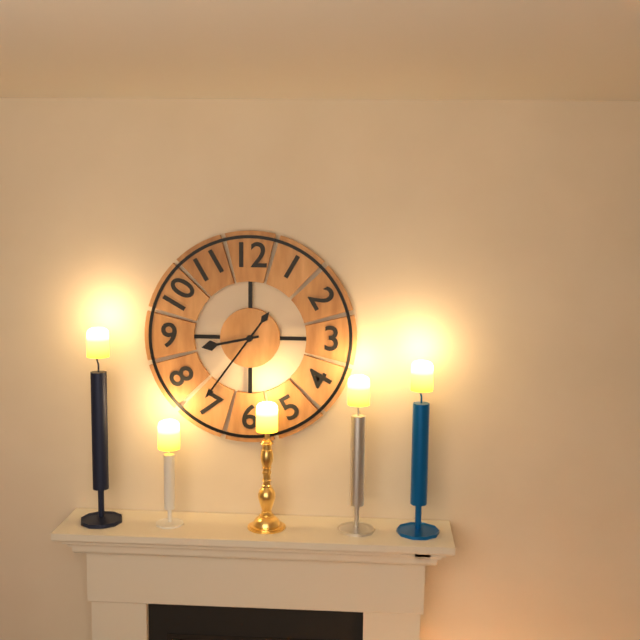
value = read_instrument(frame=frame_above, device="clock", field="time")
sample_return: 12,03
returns 8,36
